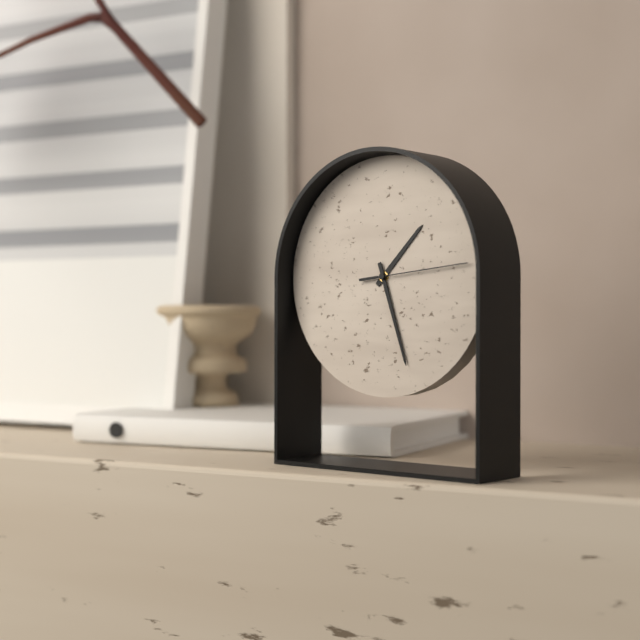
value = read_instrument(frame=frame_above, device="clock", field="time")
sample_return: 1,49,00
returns 1,27,14
